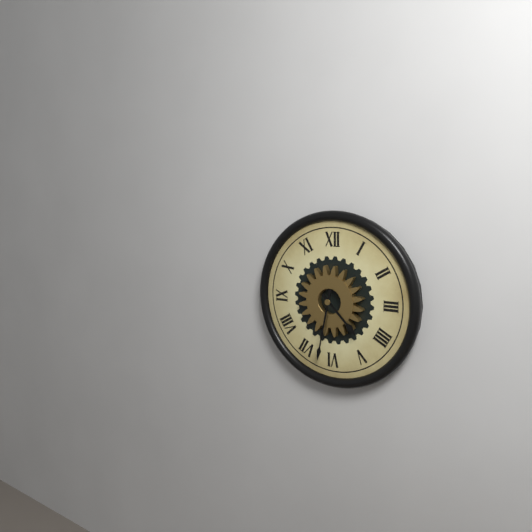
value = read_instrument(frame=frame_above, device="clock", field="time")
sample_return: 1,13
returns 4,32
